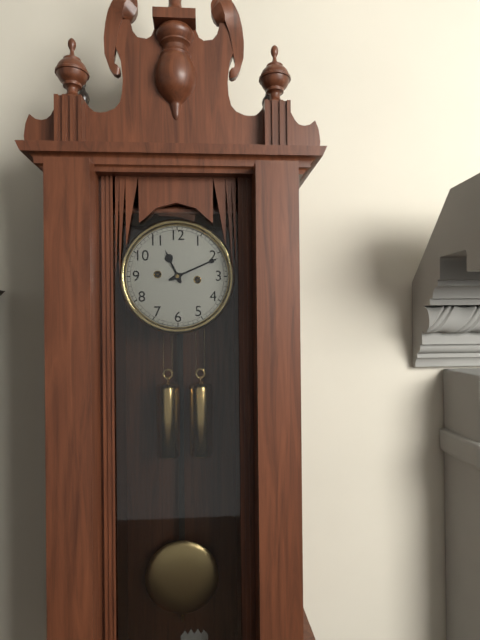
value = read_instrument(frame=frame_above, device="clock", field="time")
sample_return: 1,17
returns 11,11
